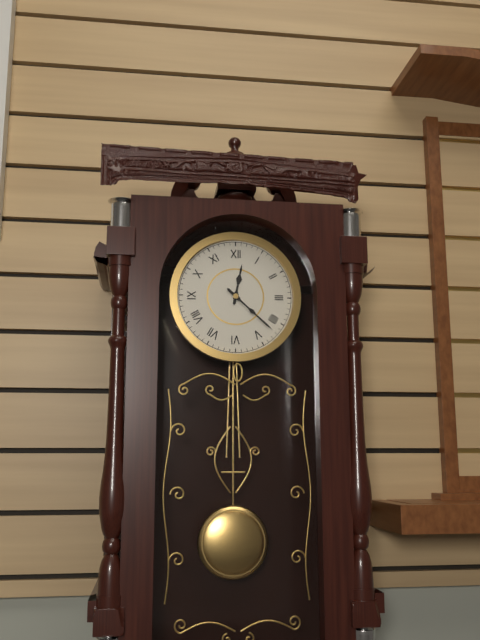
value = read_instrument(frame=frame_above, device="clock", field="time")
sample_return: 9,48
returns 12,22
